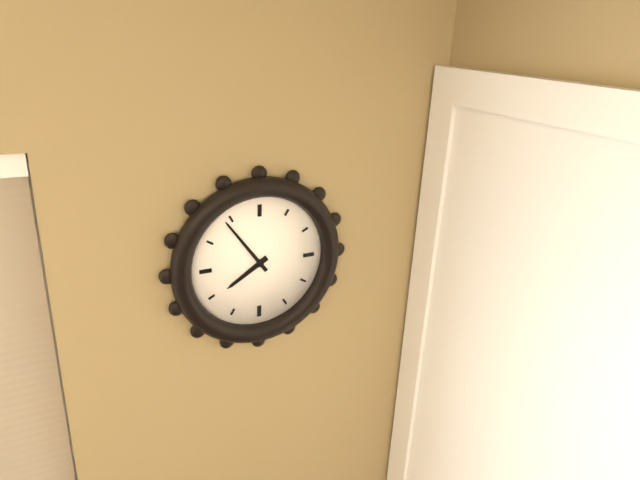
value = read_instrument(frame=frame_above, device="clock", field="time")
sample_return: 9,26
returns 7,54
